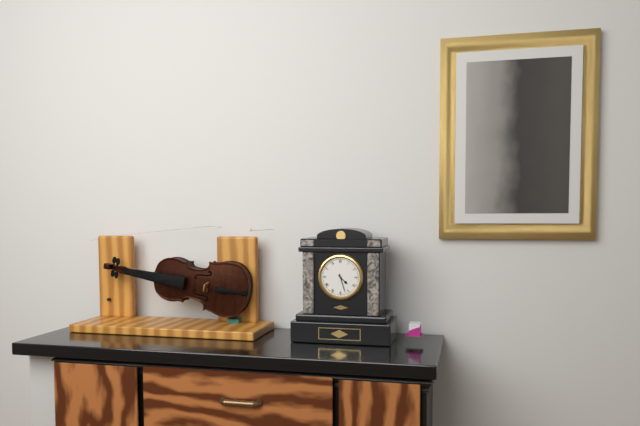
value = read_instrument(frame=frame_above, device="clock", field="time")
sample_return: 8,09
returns 4,27
